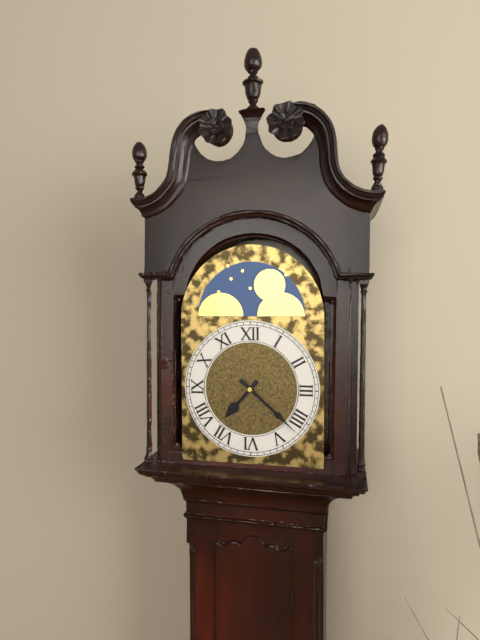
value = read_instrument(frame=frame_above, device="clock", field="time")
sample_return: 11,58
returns 7,22
